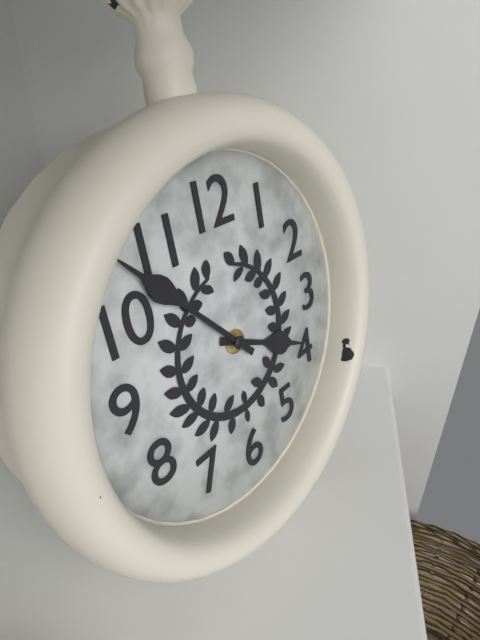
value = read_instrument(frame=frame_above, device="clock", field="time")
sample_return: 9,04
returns 3,53
